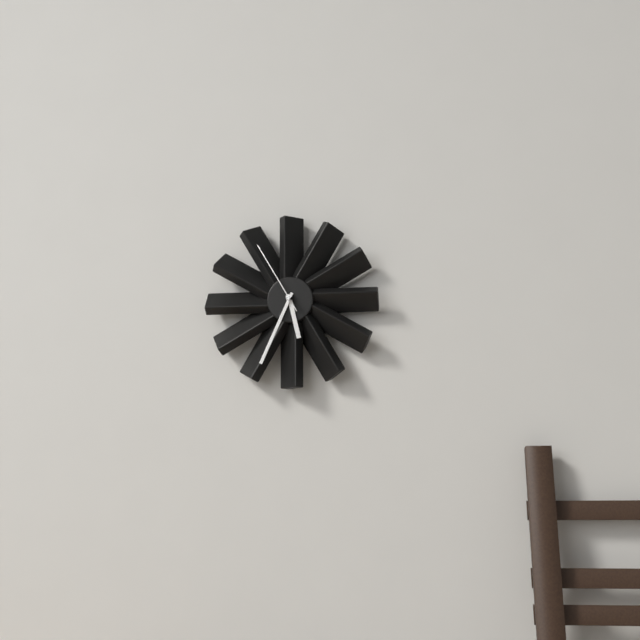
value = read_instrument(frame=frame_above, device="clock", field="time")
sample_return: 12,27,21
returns 5,34,55
